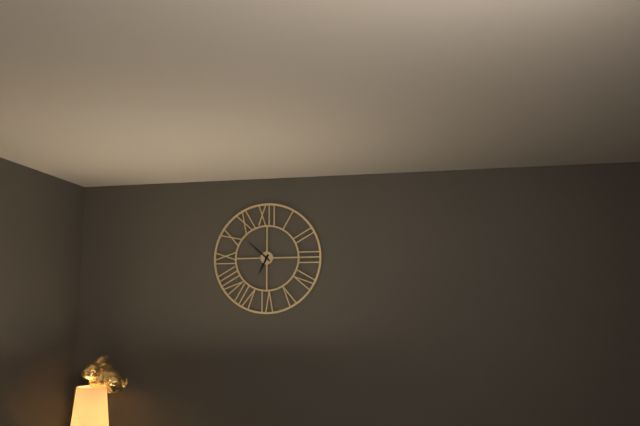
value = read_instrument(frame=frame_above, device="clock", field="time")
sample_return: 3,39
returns 6,52
